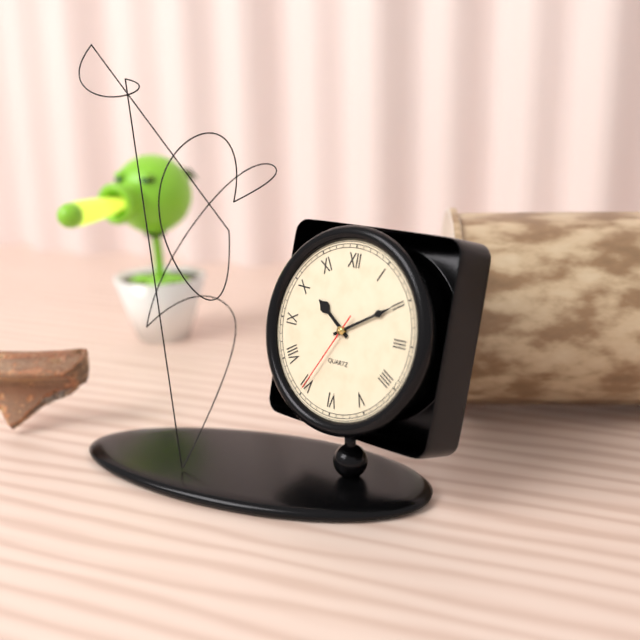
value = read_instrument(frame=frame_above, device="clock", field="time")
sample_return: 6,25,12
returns 10,10,35
